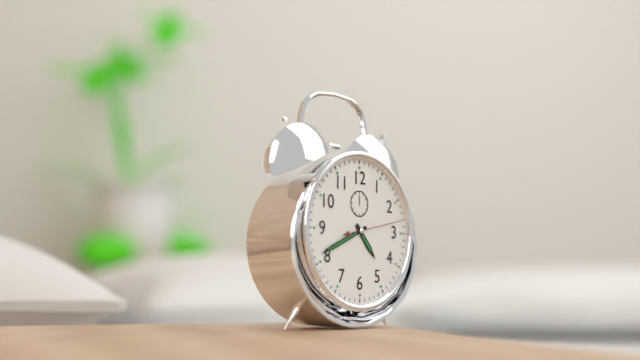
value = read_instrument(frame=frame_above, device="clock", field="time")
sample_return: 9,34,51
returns 4,41,13
